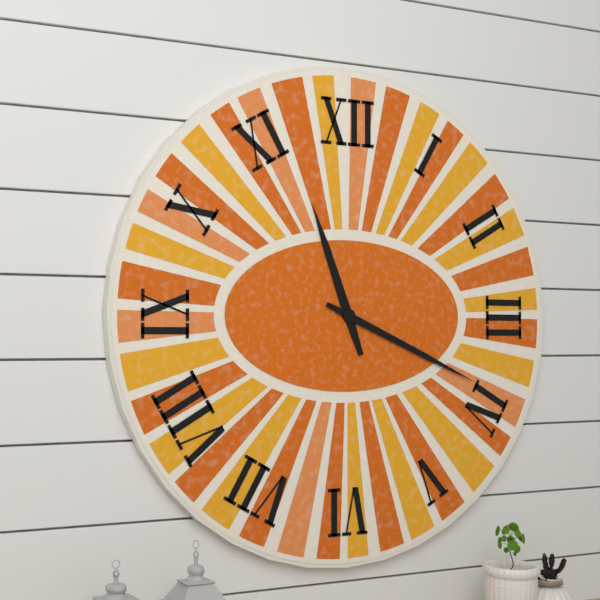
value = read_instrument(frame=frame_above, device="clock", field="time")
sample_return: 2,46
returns 11,19
